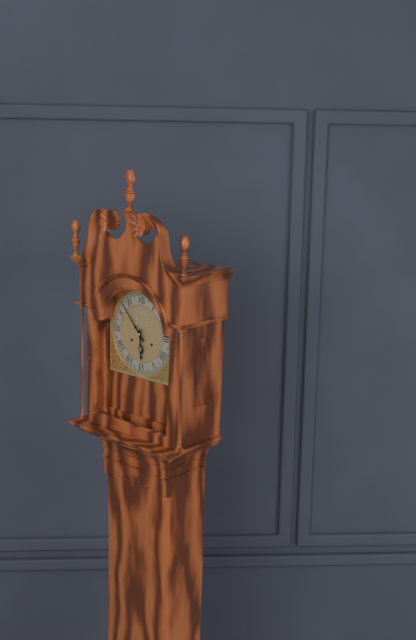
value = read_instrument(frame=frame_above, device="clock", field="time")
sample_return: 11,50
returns 5,53
